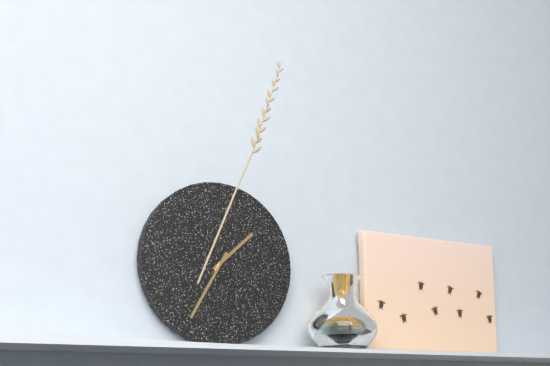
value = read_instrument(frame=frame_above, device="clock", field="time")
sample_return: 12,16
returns 1,35
